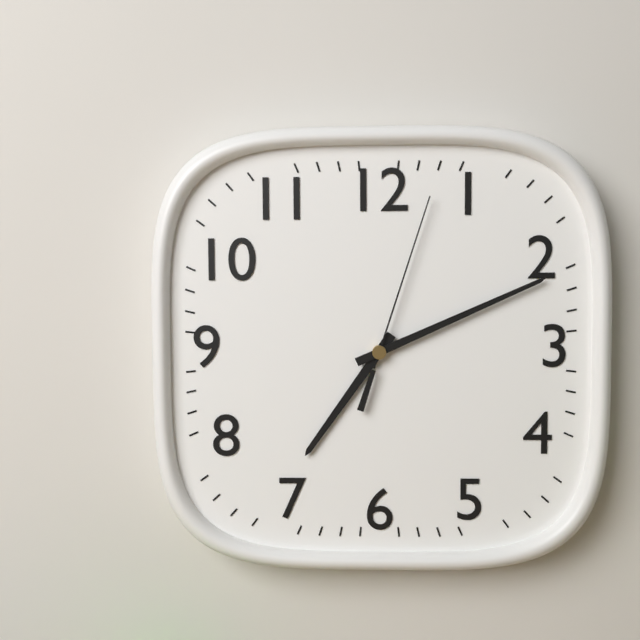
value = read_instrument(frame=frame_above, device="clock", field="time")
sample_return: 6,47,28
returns 7,11,03
